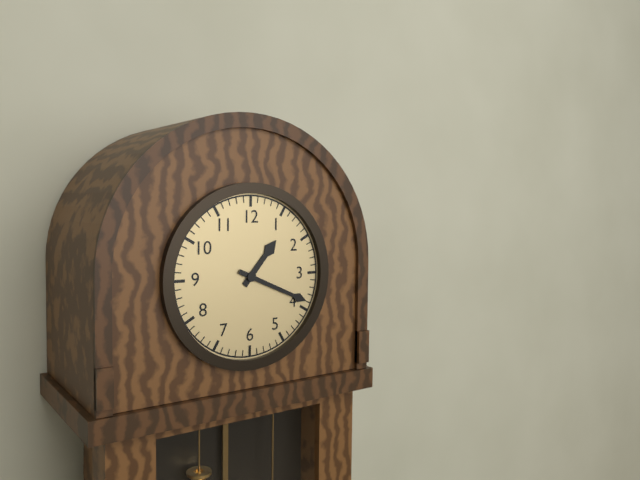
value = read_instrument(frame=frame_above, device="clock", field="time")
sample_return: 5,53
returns 1,19
